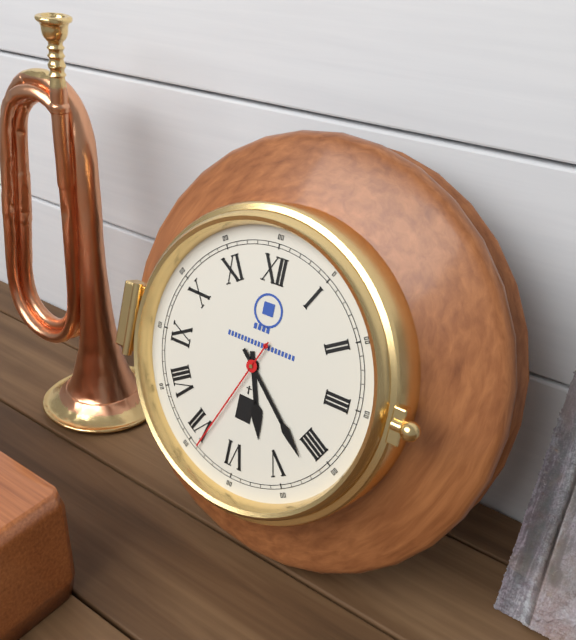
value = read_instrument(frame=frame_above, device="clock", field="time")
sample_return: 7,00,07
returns 5,22,34
